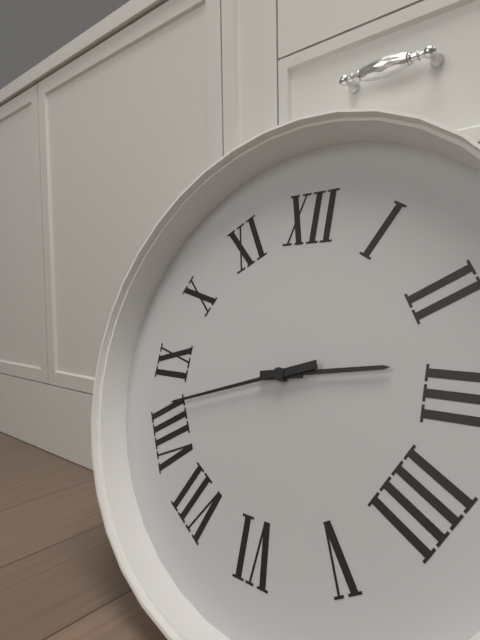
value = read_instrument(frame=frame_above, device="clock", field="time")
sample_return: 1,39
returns 2,42
